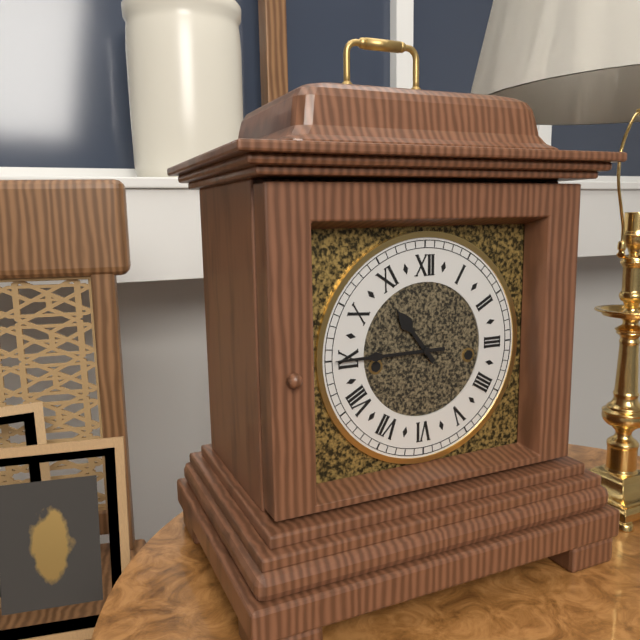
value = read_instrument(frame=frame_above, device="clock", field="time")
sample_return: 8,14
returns 10,45
